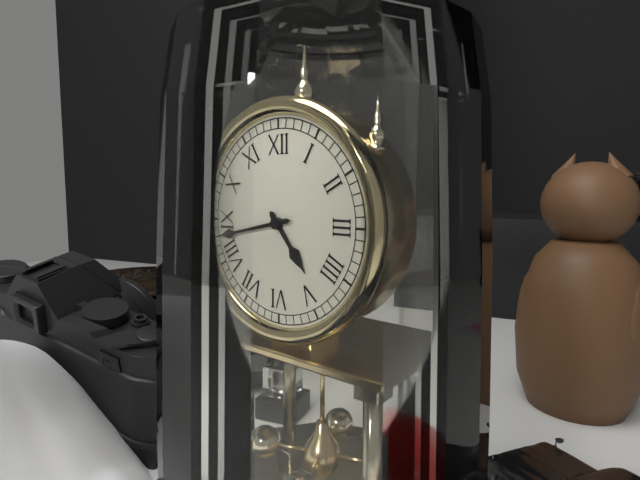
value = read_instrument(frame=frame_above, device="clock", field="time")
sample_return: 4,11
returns 4,43
